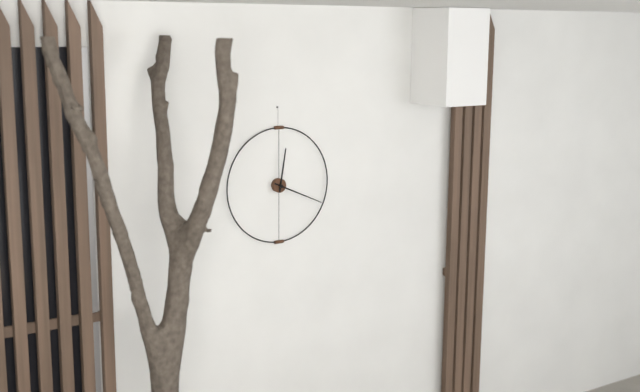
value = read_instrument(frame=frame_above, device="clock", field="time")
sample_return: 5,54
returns 12,19
